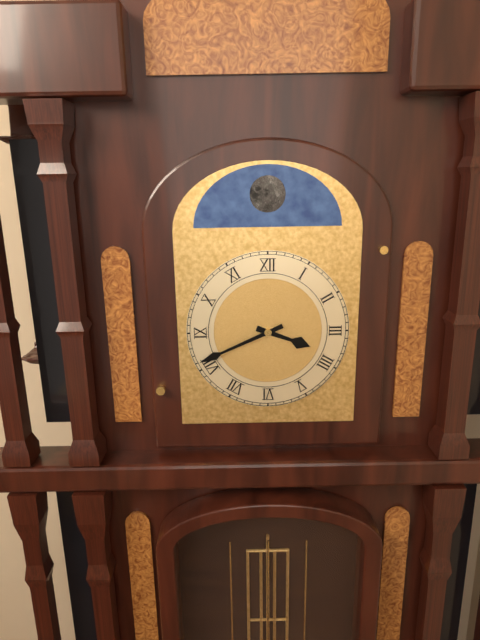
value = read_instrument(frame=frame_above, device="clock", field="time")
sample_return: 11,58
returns 3,41
